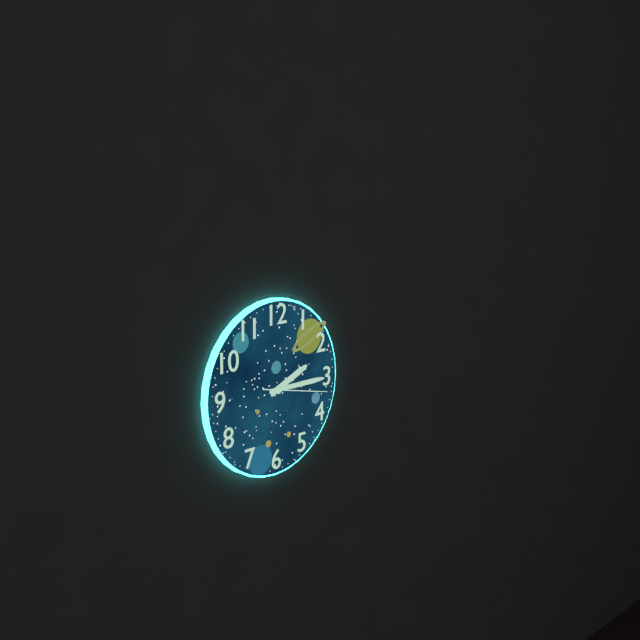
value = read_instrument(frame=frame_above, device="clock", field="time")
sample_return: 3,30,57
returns 2,15,17
